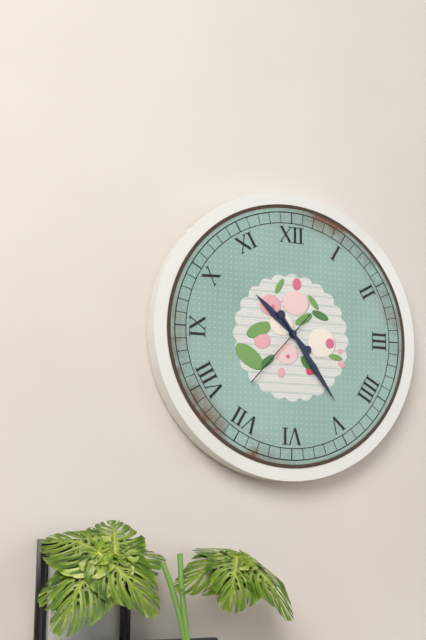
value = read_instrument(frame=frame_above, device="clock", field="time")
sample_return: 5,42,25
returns 10,24,37
